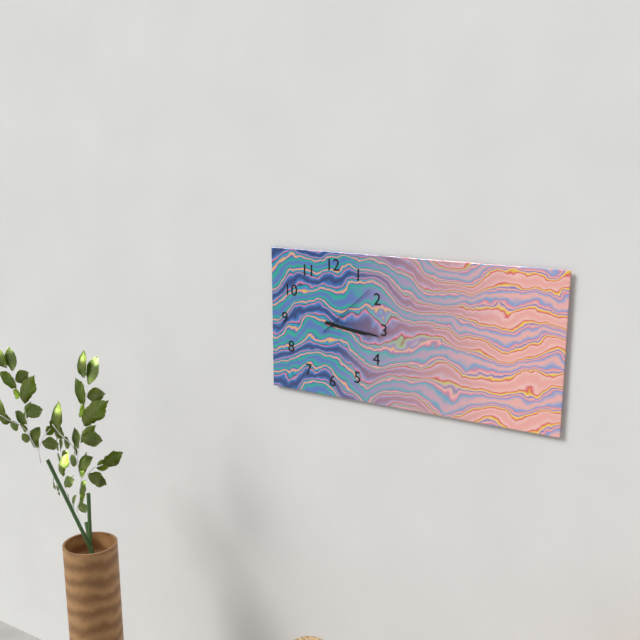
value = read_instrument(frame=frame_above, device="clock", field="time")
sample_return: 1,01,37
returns 3,16,08
